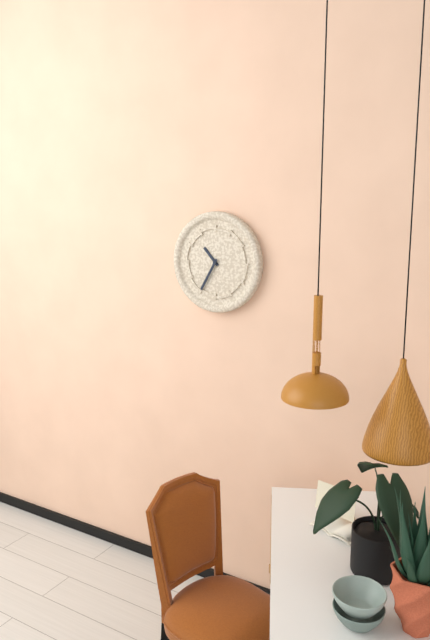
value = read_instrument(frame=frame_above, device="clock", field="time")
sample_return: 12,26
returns 10,35
